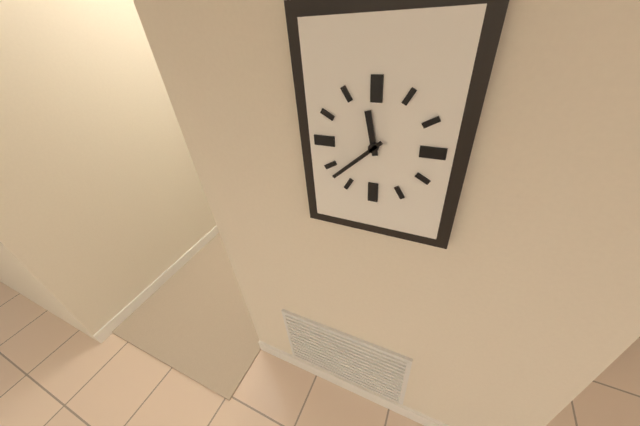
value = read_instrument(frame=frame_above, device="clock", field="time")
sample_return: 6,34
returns 11,38
